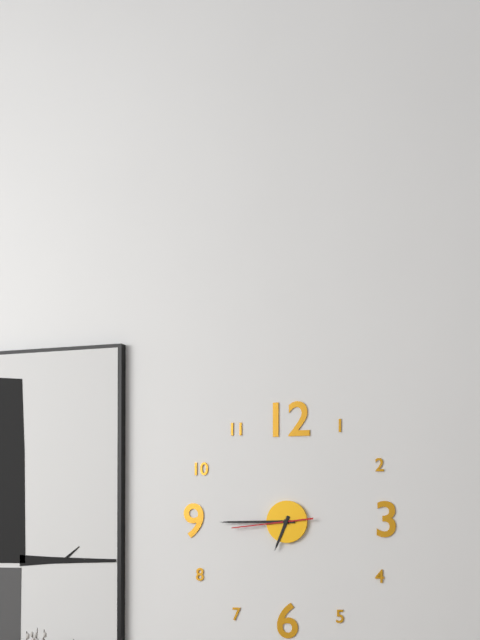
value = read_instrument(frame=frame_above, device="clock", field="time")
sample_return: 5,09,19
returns 6,45,44
